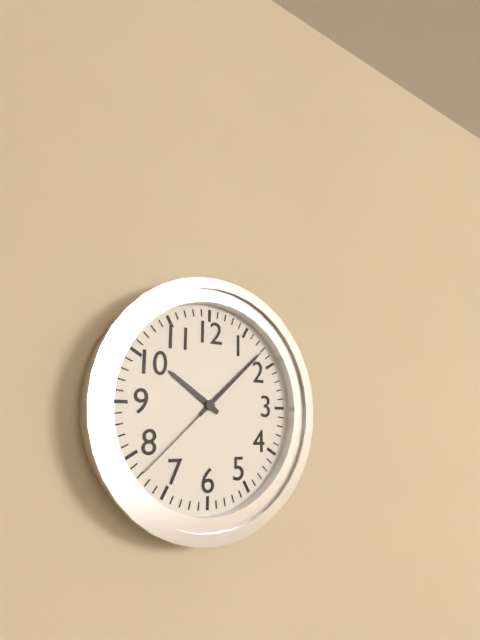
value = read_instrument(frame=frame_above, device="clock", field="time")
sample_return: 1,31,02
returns 10,08,38
